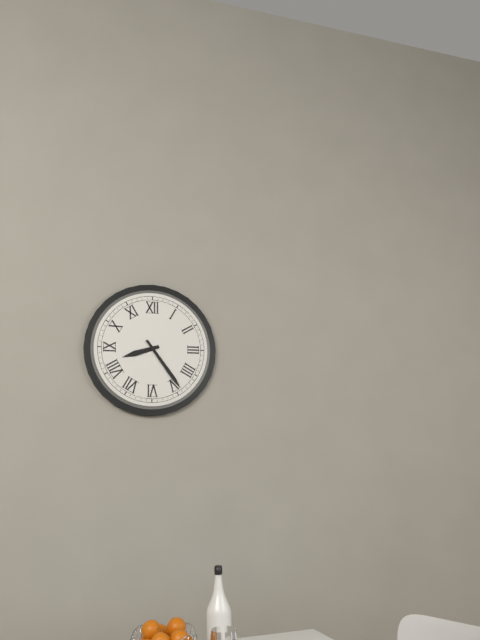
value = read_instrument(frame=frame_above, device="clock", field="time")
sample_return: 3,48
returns 8,24
